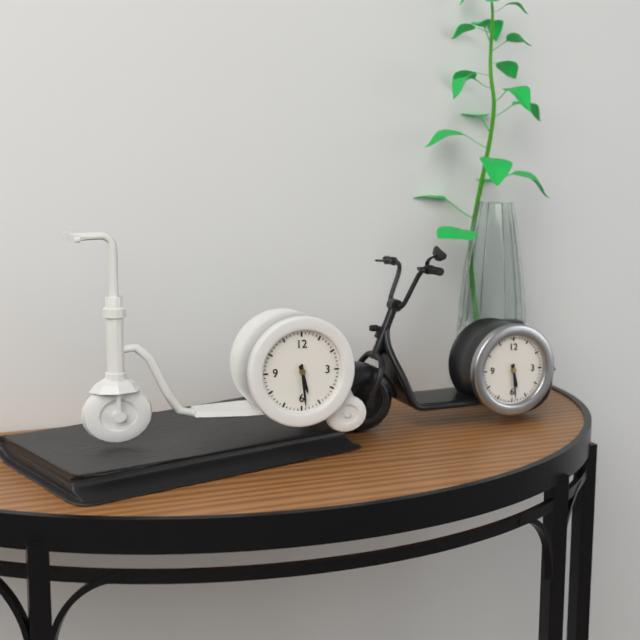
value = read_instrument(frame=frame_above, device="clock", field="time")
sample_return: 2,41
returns 5,29
